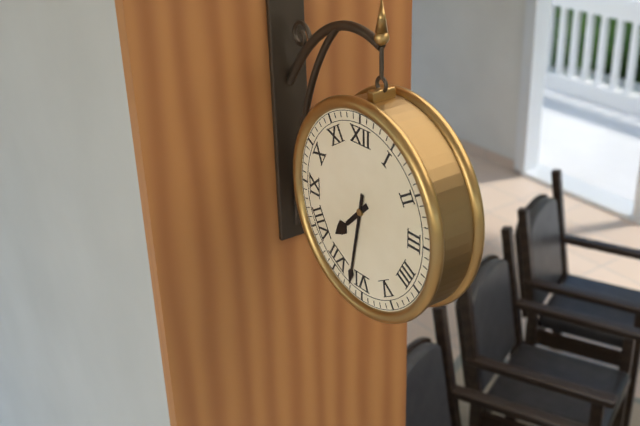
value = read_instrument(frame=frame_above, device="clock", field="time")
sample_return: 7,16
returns 7,32
